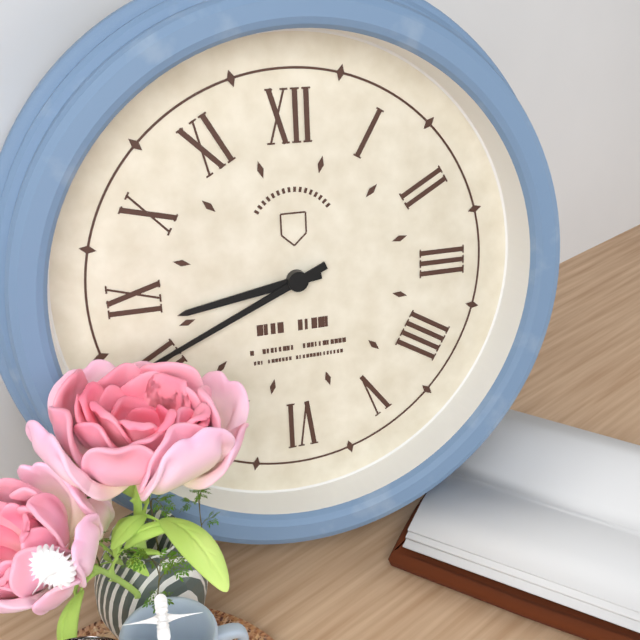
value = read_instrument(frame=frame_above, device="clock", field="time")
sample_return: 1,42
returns 8,41
